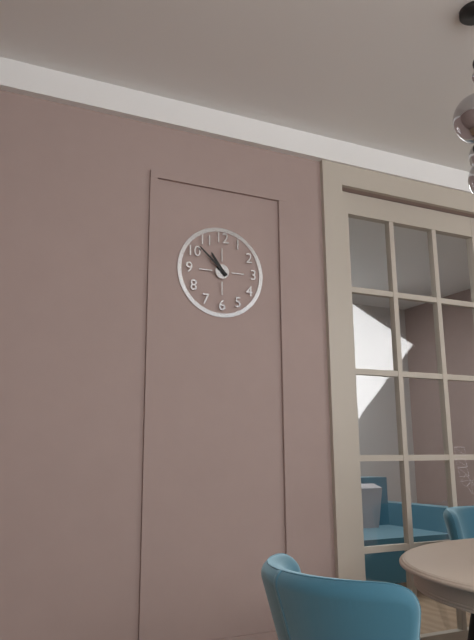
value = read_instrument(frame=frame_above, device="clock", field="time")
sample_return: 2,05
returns 10,52
